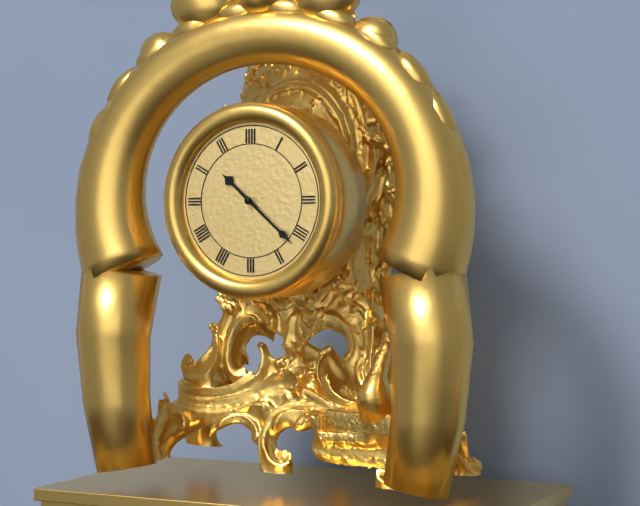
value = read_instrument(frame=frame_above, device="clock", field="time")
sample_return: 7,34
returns 10,22
